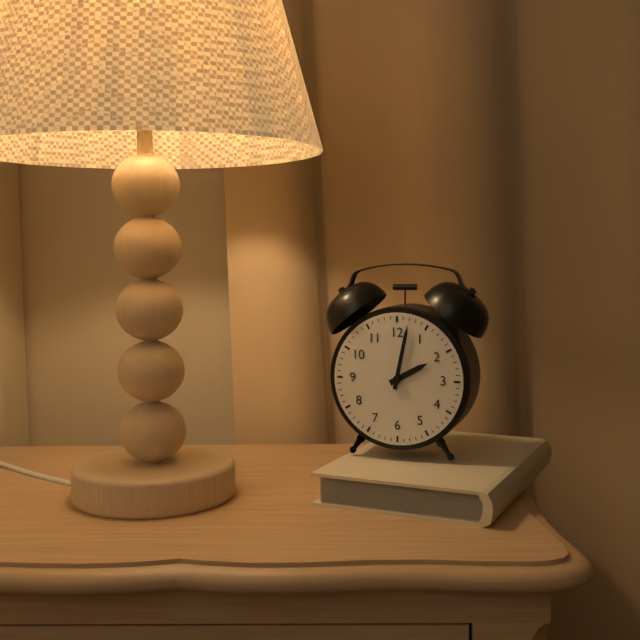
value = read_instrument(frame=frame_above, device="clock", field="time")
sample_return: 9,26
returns 2,02
